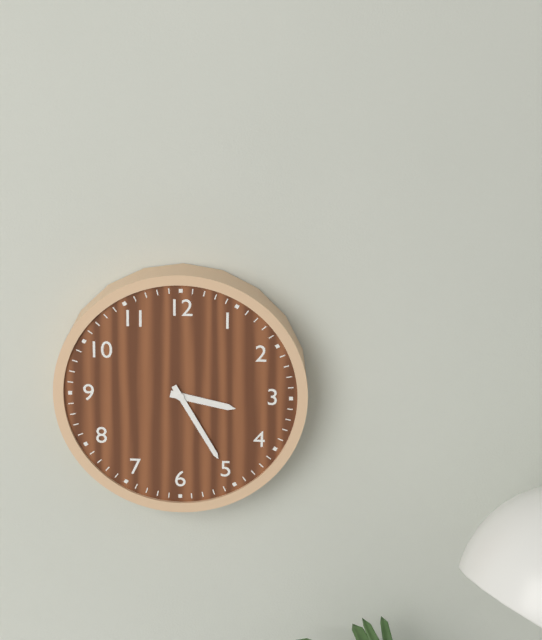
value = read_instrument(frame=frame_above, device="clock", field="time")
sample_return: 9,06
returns 3,25
